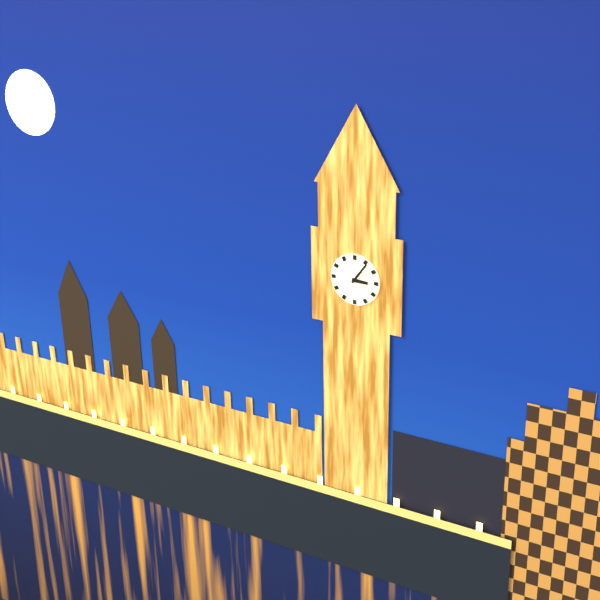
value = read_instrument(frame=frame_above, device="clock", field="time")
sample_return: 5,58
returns 3,06
